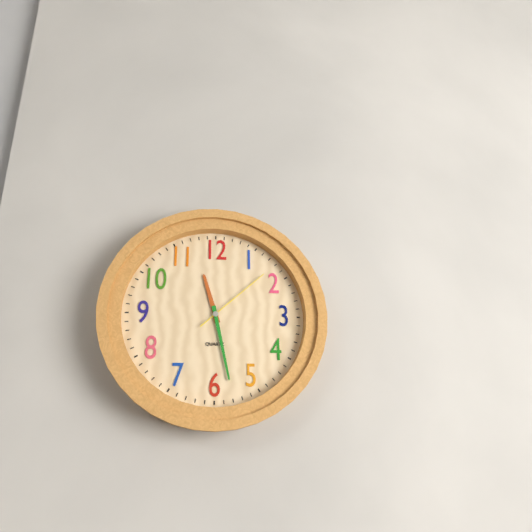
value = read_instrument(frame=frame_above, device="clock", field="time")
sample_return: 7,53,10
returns 11,28,08
